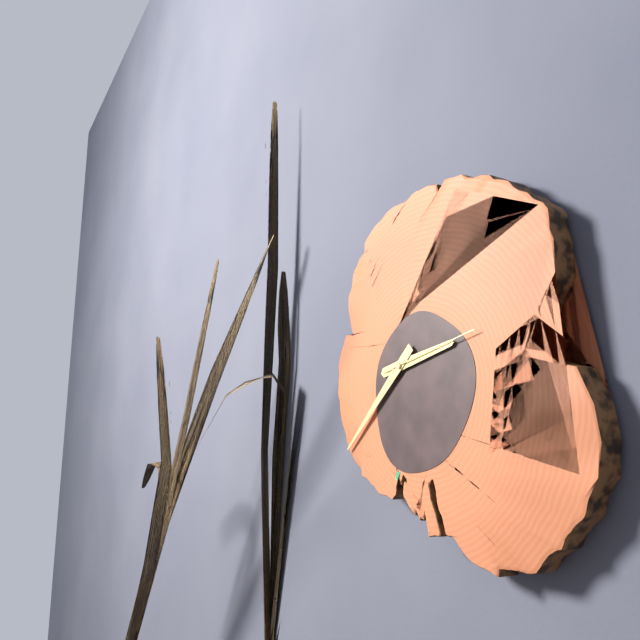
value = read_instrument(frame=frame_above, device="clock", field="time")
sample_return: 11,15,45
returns 2,38,13
